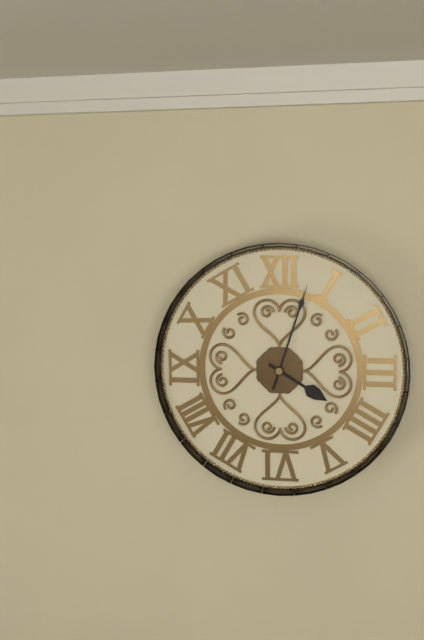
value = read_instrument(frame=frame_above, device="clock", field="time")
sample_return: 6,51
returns 4,03
